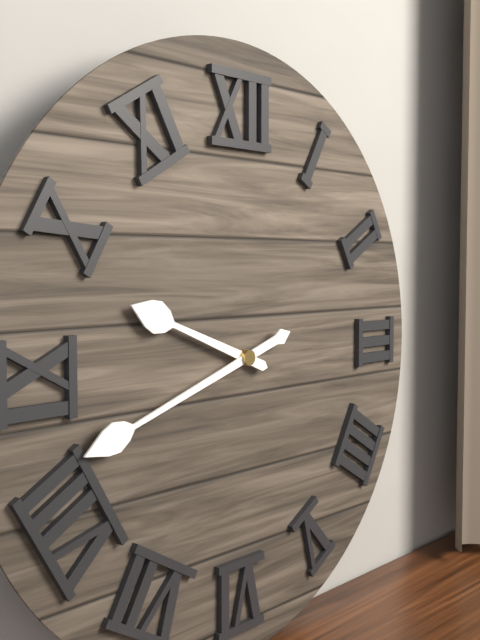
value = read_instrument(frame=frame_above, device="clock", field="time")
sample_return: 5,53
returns 9,42
